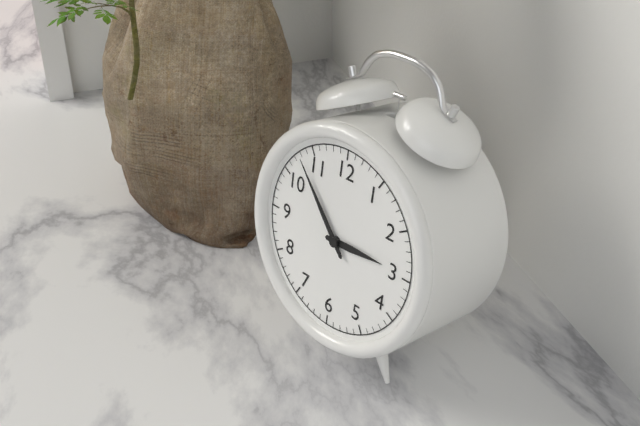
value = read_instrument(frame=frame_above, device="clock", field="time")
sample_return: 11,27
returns 2,53
